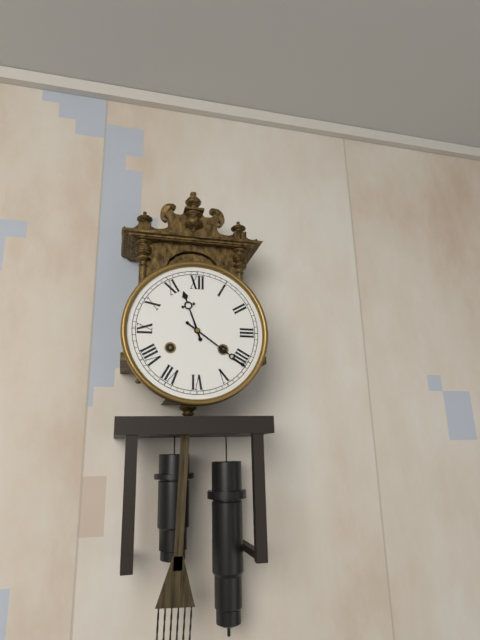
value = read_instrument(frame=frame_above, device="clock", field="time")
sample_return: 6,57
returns 11,21
